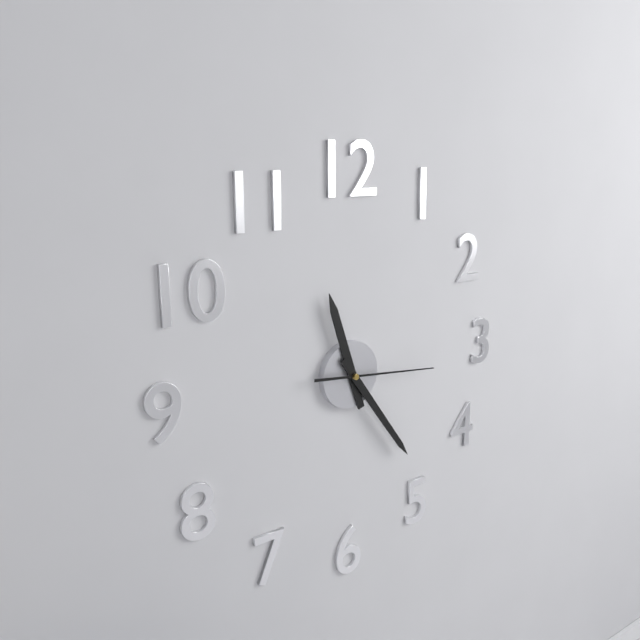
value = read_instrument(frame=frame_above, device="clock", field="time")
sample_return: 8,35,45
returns 11,24,16
